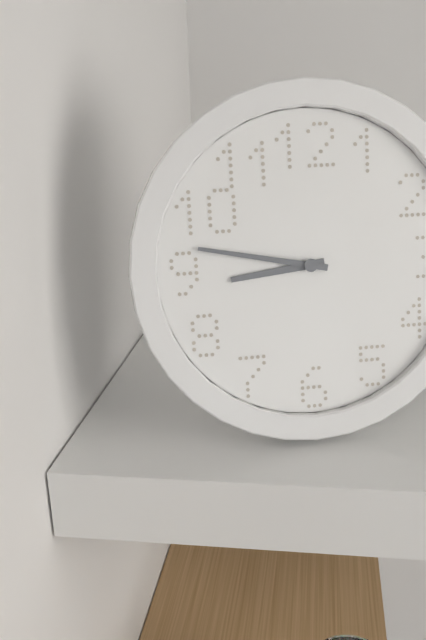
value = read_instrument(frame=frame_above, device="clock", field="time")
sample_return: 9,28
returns 8,47
